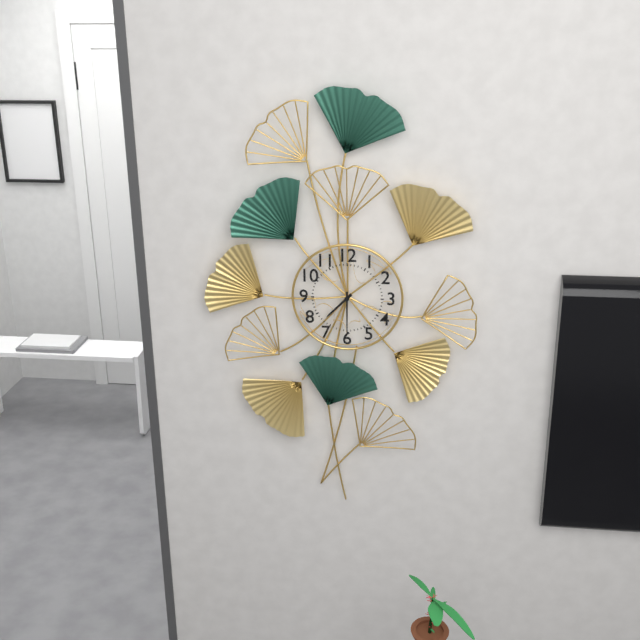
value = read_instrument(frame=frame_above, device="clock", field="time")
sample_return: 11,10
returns 7,30
